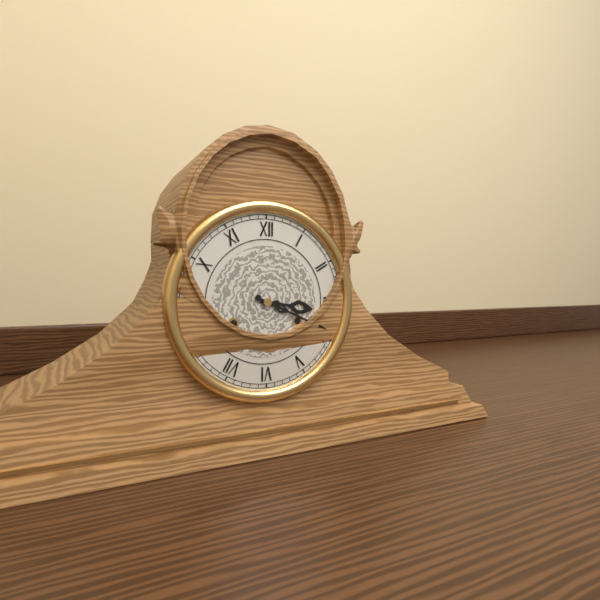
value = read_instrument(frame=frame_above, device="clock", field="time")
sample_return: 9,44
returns 3,19
